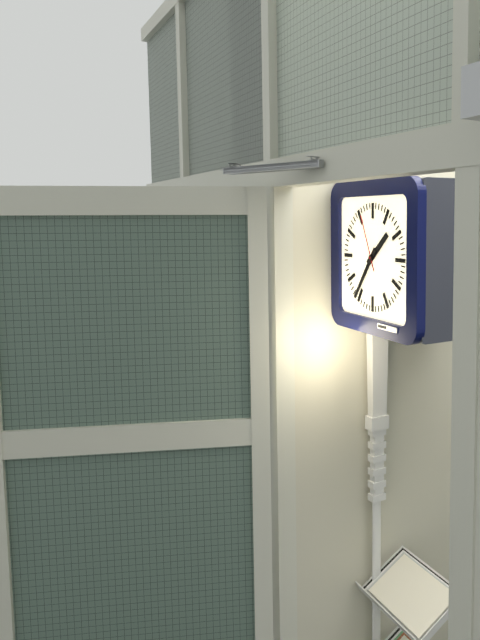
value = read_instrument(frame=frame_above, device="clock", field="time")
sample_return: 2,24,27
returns 1,36,56
